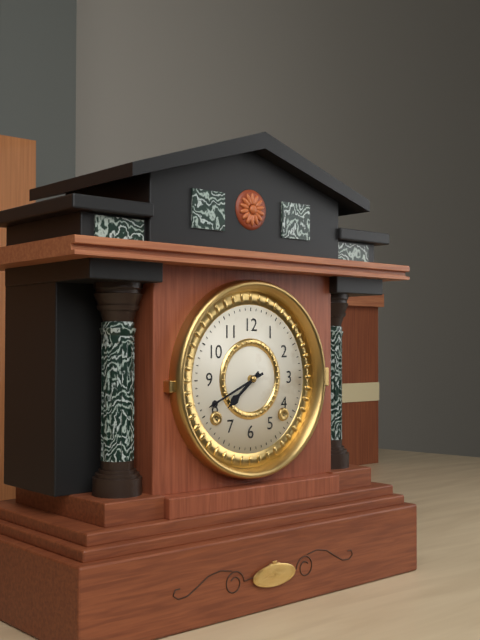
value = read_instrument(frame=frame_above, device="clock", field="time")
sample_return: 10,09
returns 7,41
